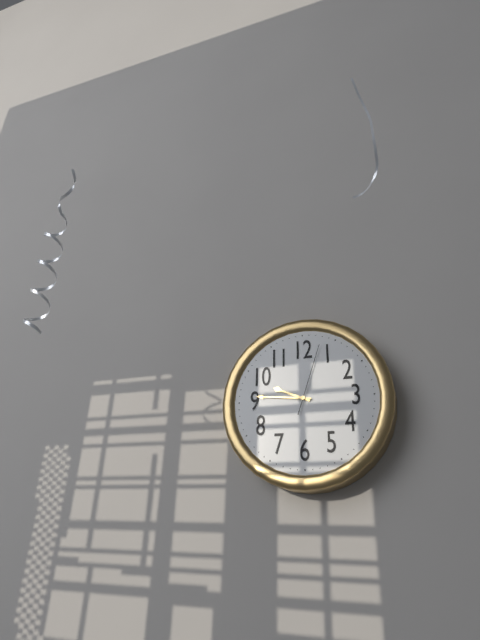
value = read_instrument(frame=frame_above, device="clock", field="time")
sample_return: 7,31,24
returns 9,46,03
